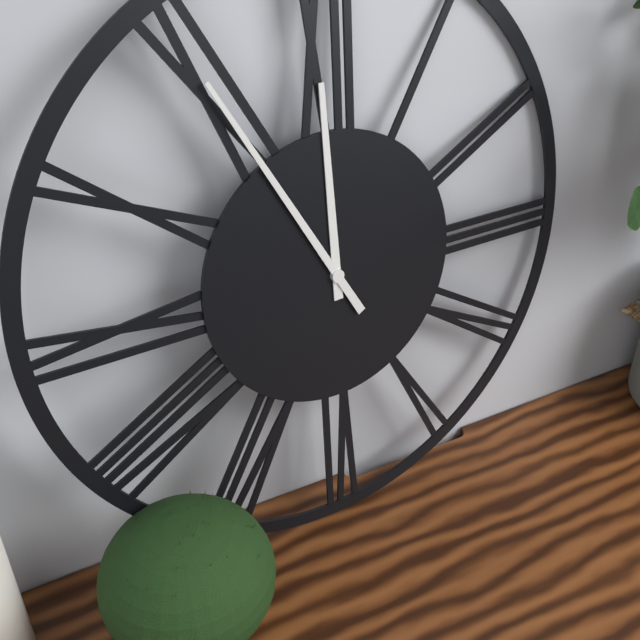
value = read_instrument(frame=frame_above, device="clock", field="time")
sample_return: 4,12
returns 11,55
